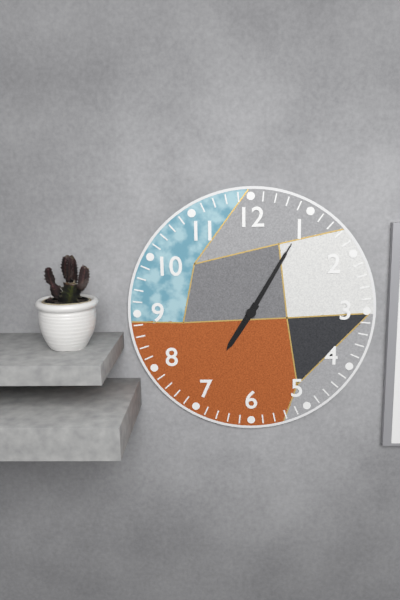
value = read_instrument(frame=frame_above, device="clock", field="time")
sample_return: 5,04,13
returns 7,05,05
